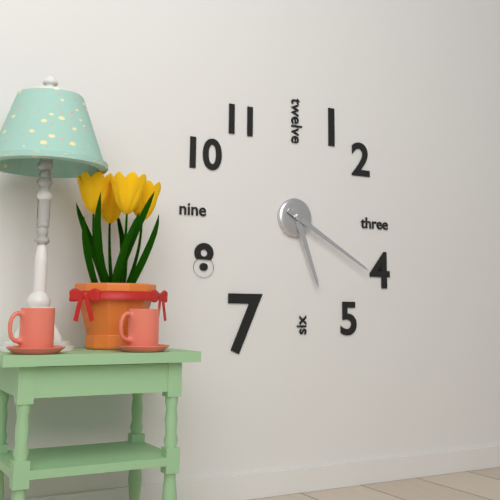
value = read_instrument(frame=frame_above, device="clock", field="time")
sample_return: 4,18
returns 5,20
